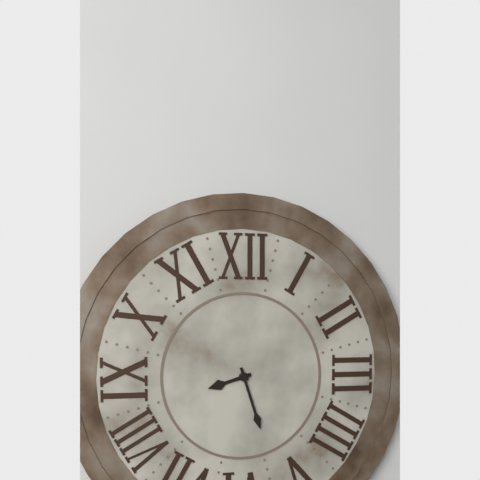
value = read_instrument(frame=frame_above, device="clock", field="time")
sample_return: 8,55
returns 8,27
